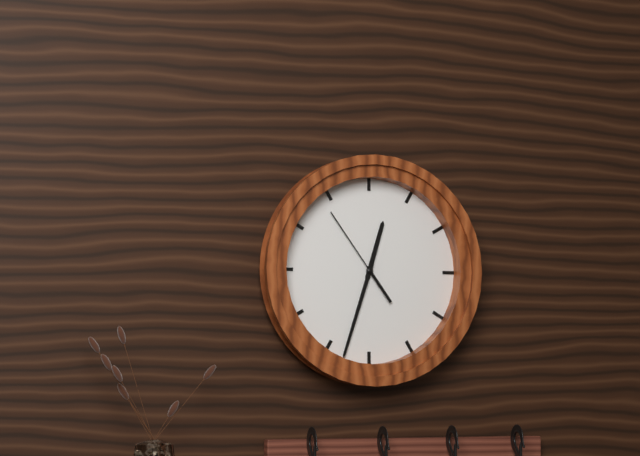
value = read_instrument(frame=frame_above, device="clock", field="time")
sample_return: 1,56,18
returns 12,33,54
